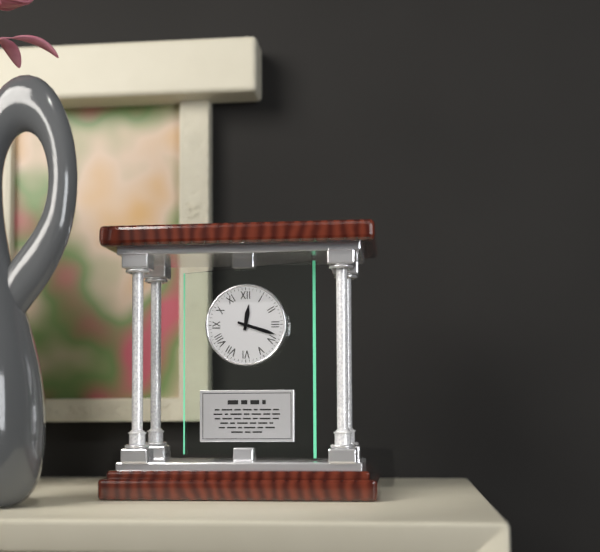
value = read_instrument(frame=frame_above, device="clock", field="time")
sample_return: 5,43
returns 12,18
